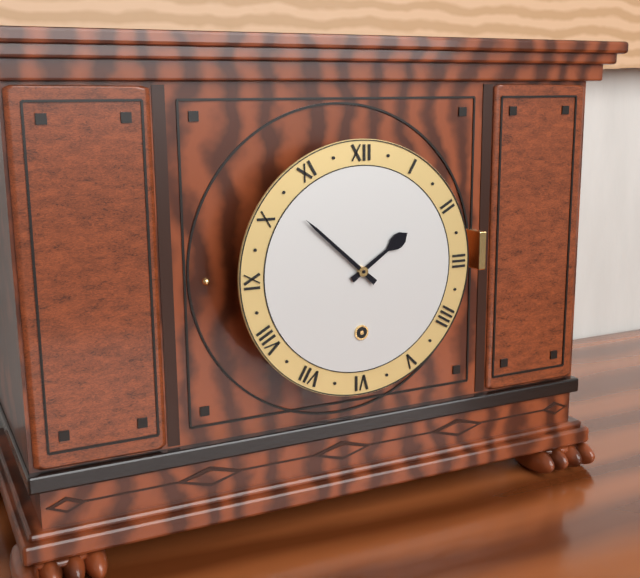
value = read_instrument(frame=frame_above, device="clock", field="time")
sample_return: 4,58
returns 1,52
